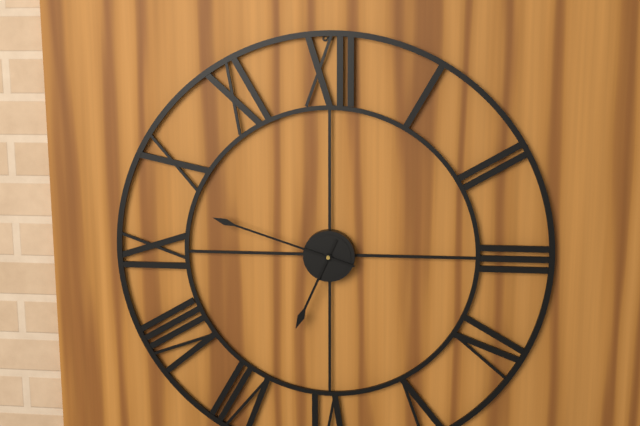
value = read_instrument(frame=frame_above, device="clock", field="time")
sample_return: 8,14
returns 6,48
